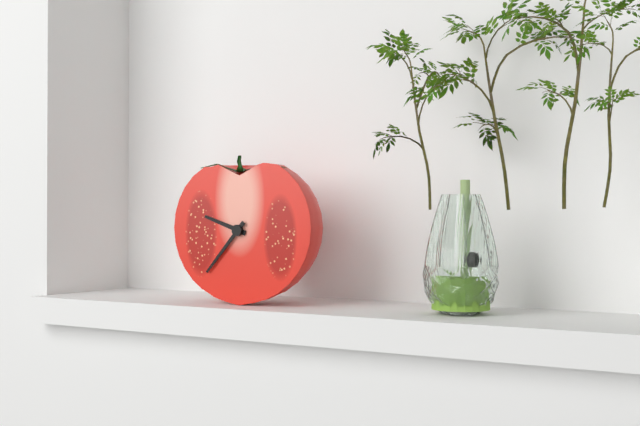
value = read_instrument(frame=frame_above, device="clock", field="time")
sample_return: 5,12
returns 9,37
